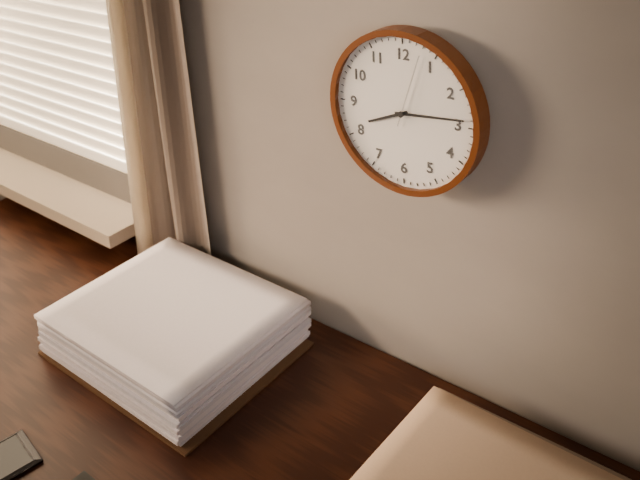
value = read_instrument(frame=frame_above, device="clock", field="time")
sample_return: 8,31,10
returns 8,14,03
